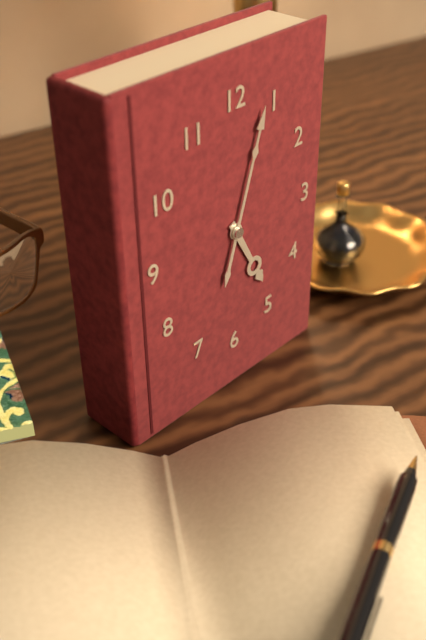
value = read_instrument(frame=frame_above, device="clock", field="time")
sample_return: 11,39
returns 5,03
